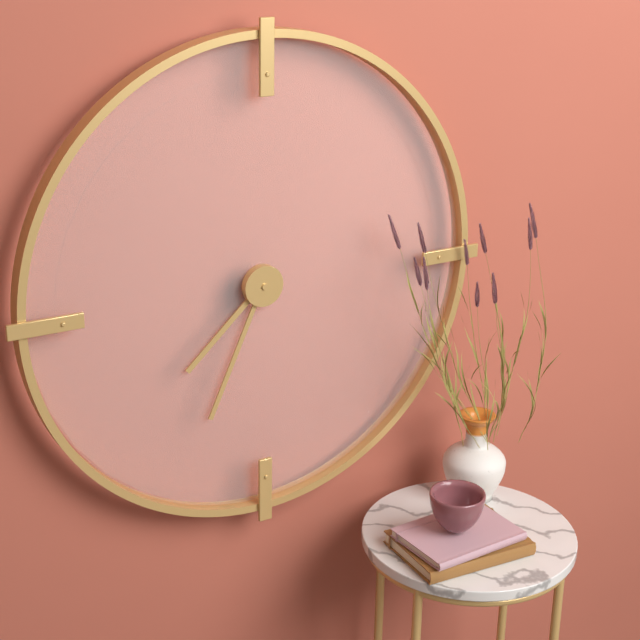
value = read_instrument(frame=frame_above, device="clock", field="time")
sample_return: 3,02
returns 7,34
